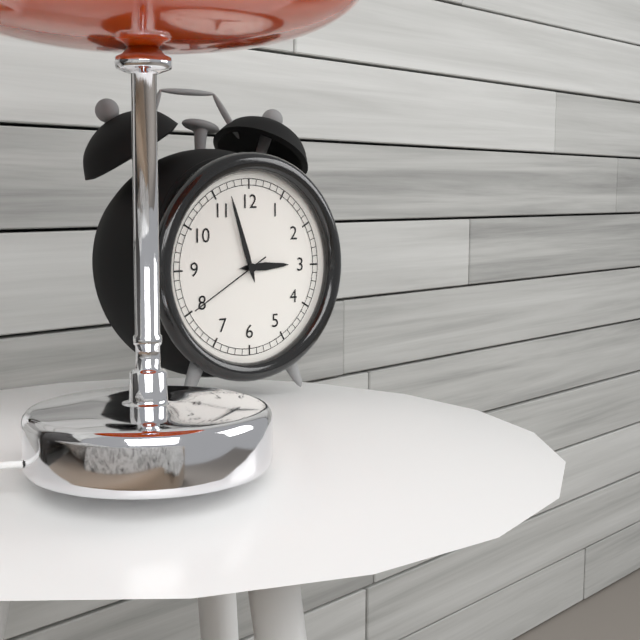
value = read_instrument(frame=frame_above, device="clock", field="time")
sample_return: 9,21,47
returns 2,57,40
